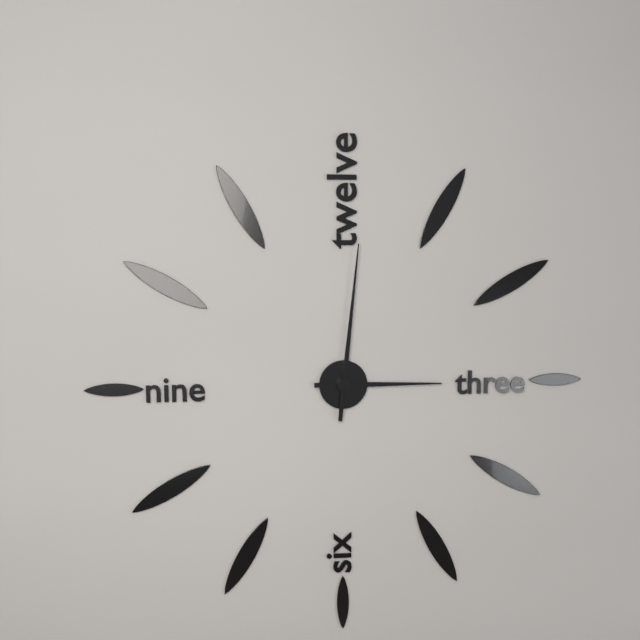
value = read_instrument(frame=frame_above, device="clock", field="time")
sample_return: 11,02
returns 3,01
